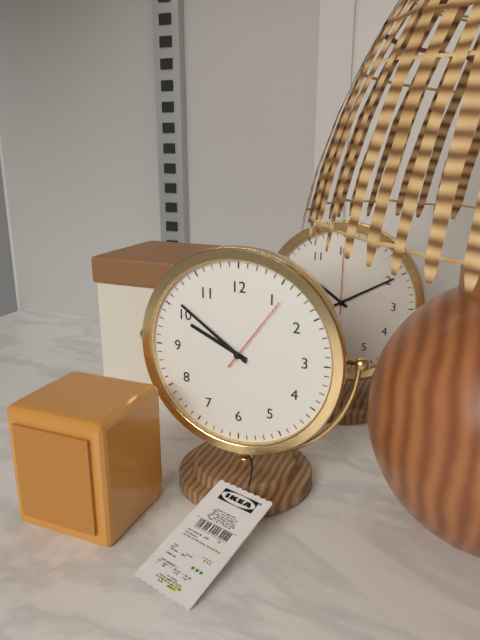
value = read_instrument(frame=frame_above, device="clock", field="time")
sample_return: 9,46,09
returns 9,51,06
